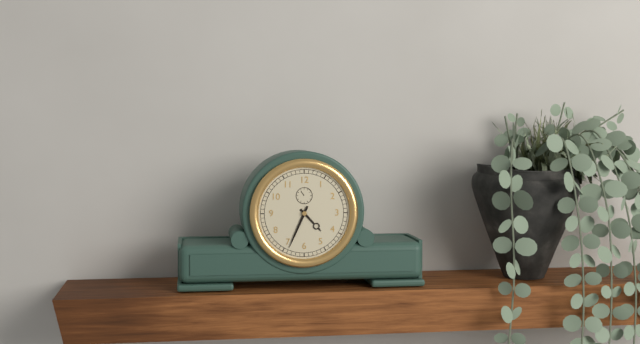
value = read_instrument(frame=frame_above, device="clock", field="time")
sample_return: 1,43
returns 4,34
